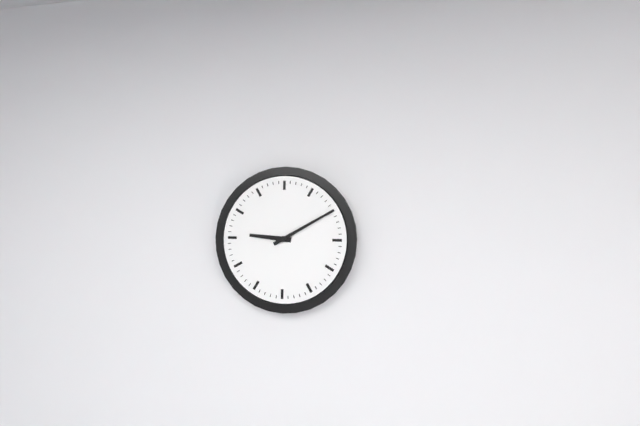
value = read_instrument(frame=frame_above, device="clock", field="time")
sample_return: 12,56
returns 9,10
